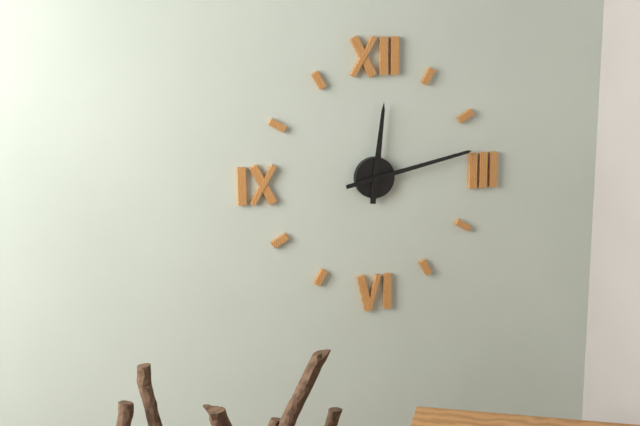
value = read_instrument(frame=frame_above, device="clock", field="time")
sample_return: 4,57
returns 12,13
